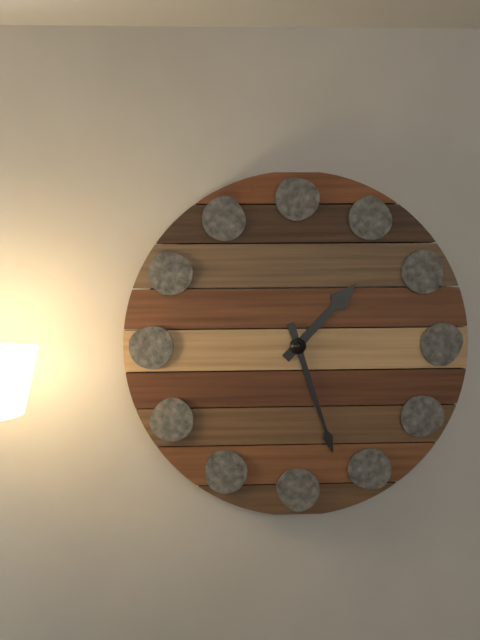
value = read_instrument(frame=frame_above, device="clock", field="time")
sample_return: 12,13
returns 1,27
